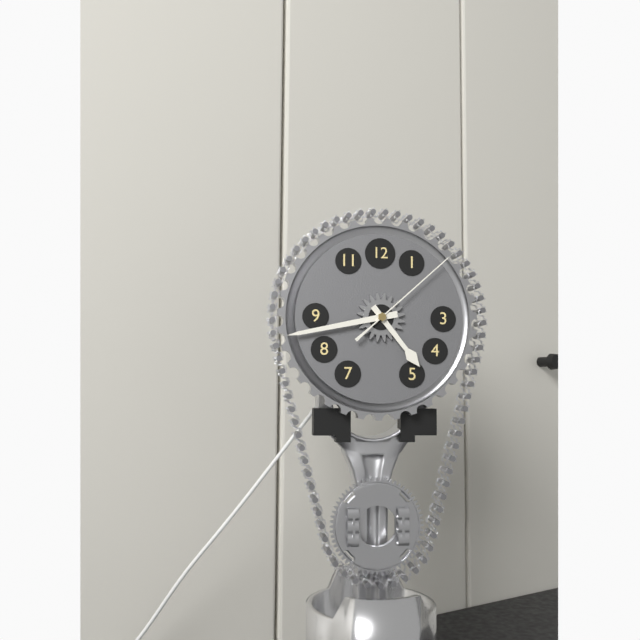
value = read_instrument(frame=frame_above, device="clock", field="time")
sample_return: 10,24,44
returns 4,43,08
